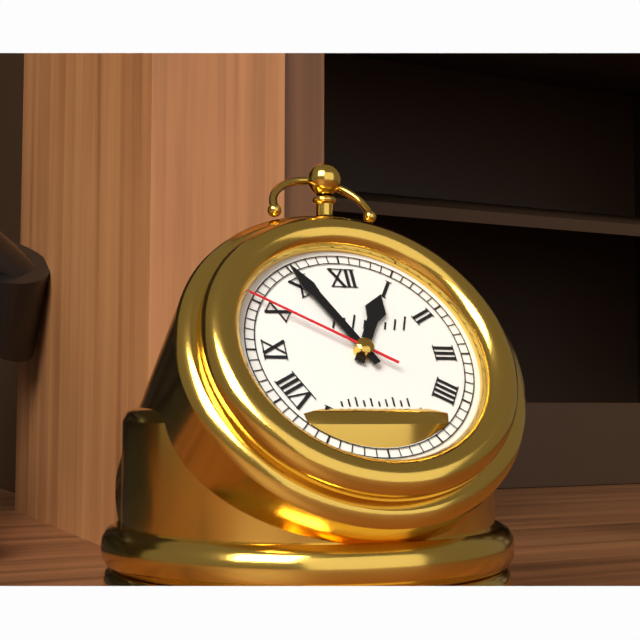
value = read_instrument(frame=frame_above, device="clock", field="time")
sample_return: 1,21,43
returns 12,55,50
